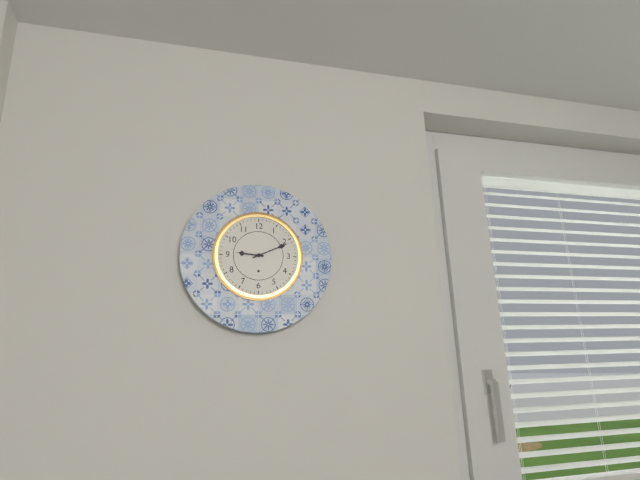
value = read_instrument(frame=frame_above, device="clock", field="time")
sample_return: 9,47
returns 9,11
